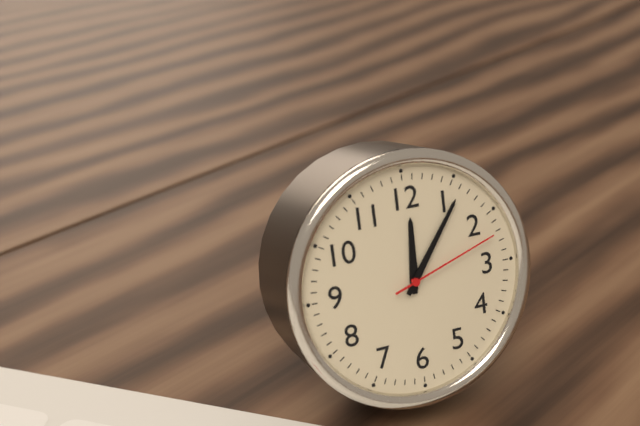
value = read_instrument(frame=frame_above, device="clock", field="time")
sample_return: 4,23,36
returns 12,06,12
